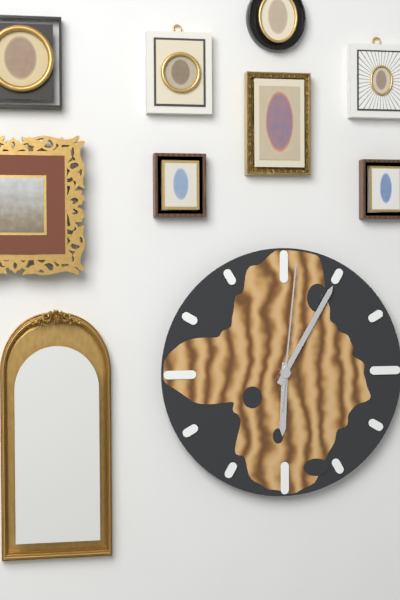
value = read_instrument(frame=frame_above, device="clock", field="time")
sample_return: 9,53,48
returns 6,05,01
